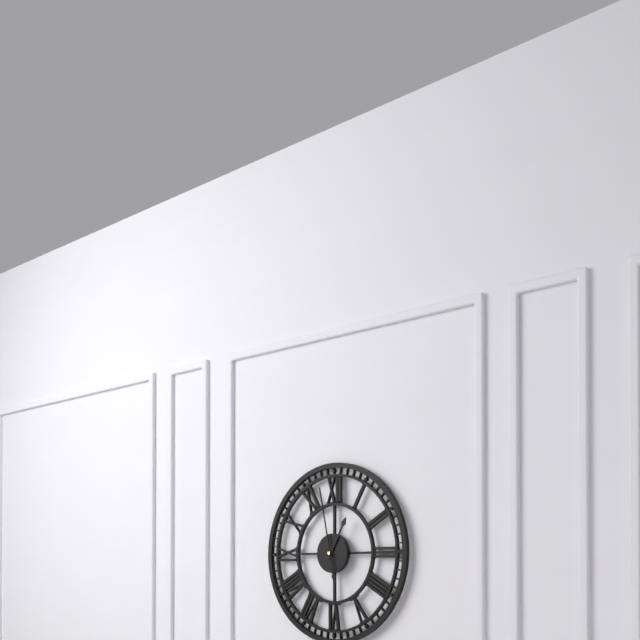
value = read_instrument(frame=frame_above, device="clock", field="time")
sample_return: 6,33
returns 12,58
